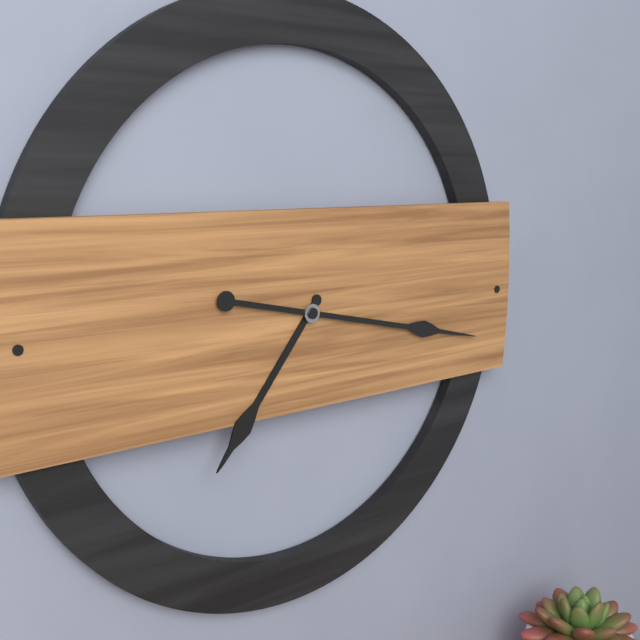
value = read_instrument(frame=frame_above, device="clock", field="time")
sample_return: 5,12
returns 7,17
